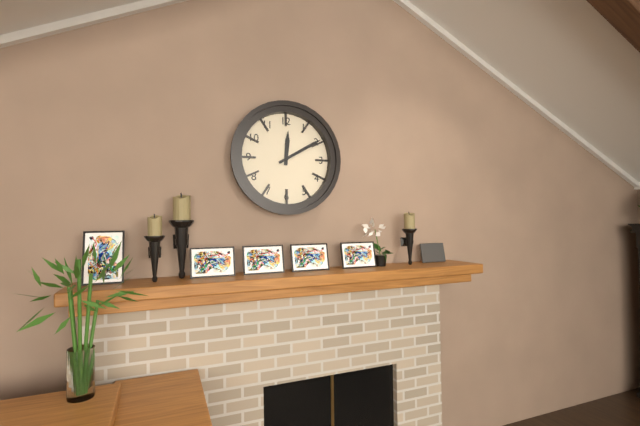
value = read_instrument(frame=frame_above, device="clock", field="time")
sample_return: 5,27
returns 12,10
